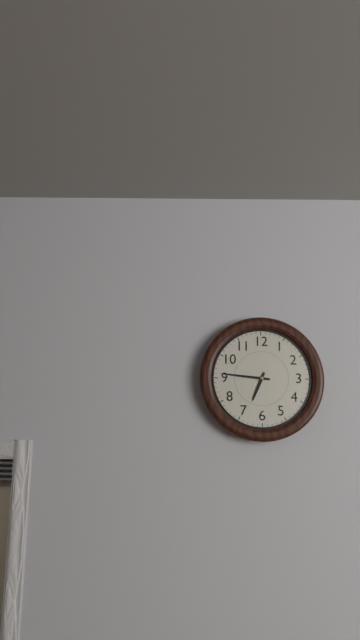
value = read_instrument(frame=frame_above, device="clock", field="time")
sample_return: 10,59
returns 6,46
